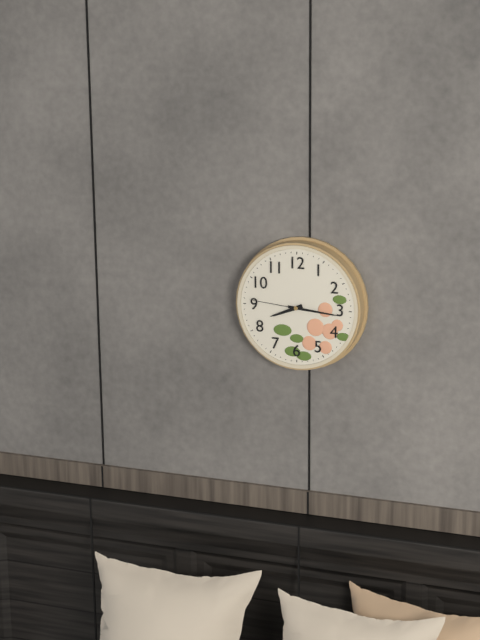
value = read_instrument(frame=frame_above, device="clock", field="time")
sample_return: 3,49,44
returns 8,16,46
